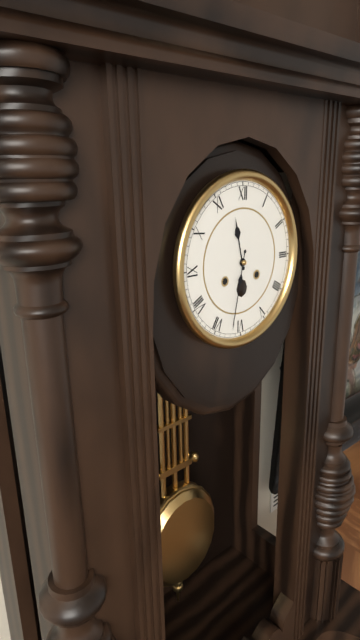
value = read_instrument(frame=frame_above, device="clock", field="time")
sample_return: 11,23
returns 11,32
